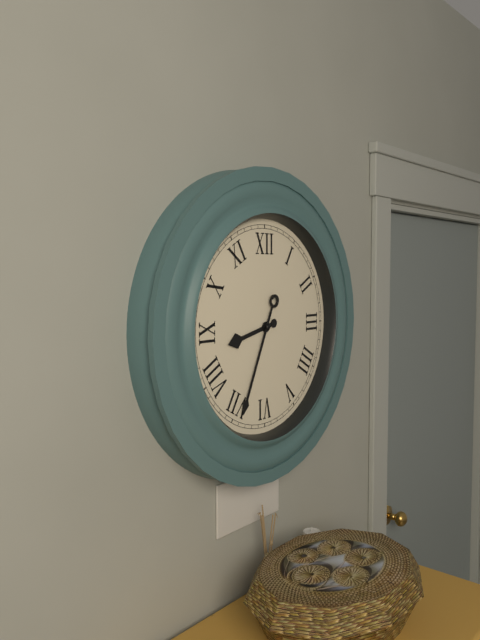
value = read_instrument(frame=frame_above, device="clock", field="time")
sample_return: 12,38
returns 8,34
